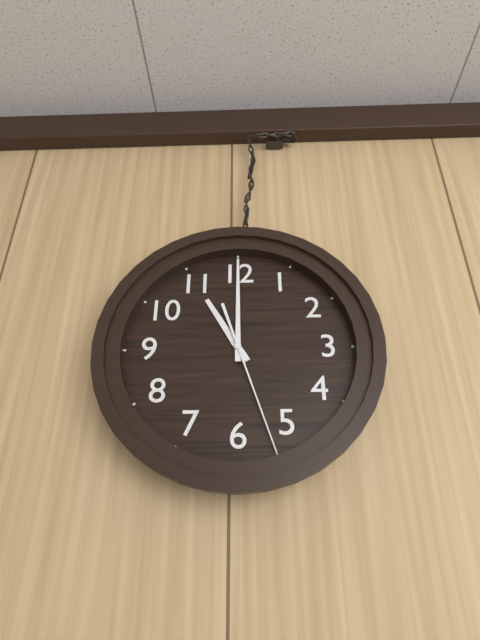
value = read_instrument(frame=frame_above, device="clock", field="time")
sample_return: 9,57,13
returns 11,00,27
